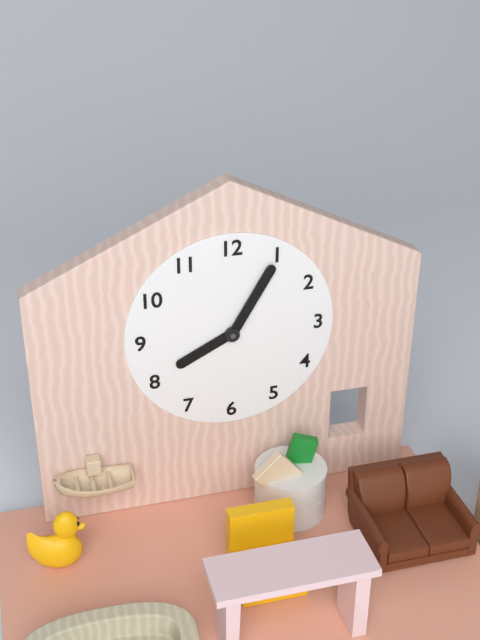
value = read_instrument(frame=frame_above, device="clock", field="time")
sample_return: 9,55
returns 8,05
